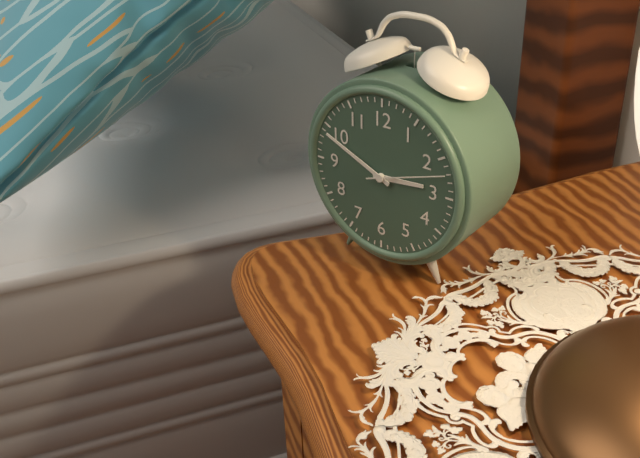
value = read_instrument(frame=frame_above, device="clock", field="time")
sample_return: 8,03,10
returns 2,49,12
